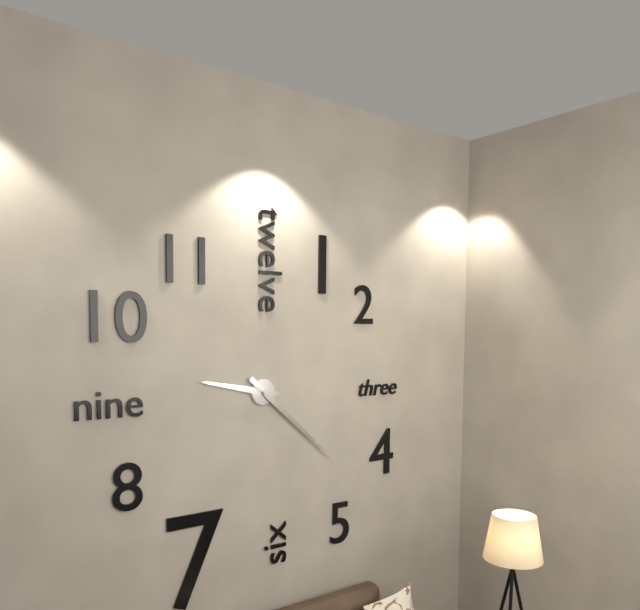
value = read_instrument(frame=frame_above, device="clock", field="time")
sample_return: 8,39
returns 9,22
